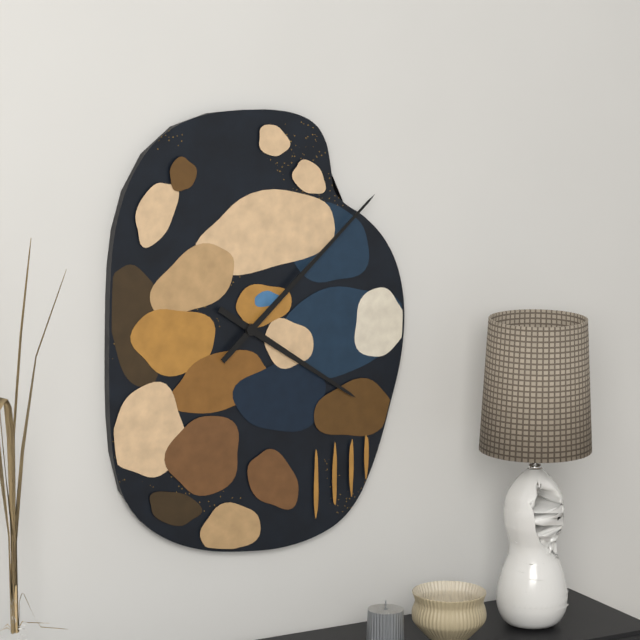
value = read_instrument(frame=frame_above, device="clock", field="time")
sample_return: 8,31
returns 4,08
